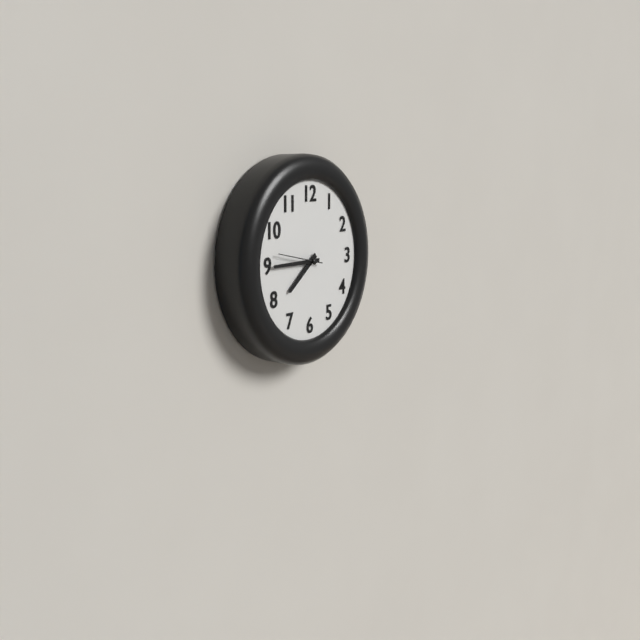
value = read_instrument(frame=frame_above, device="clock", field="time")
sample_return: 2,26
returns 7,45
